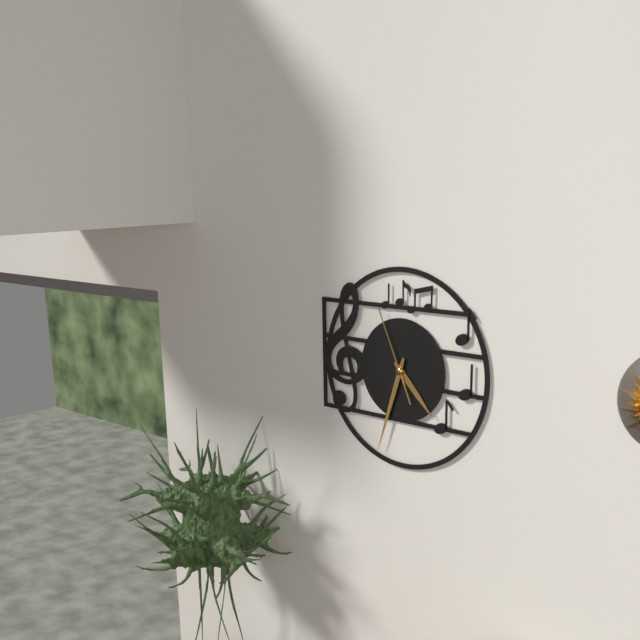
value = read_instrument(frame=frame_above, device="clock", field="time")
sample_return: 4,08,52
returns 4,33,56
